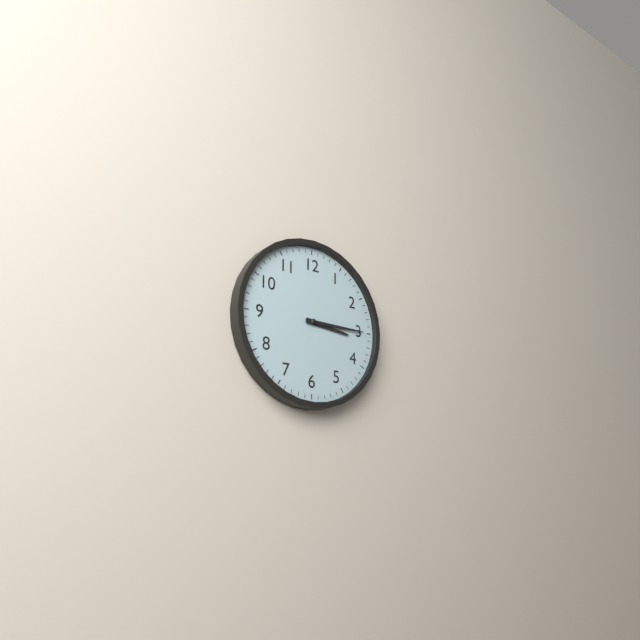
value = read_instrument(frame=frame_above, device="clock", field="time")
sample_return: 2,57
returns 3,15
